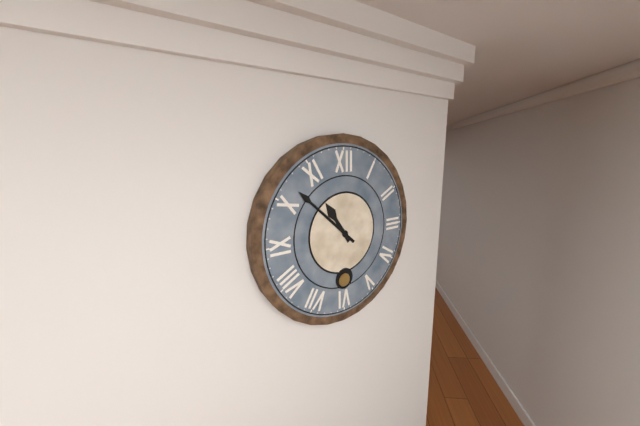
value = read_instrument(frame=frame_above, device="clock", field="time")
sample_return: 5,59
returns 10,52
